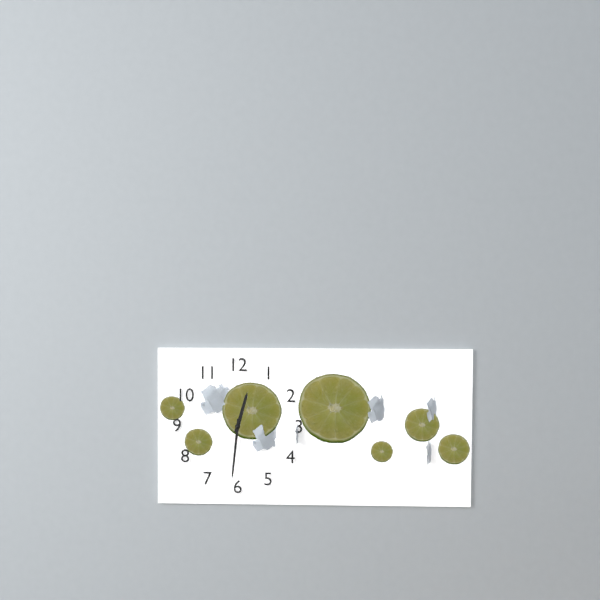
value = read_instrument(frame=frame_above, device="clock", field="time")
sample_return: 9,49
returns 12,31
